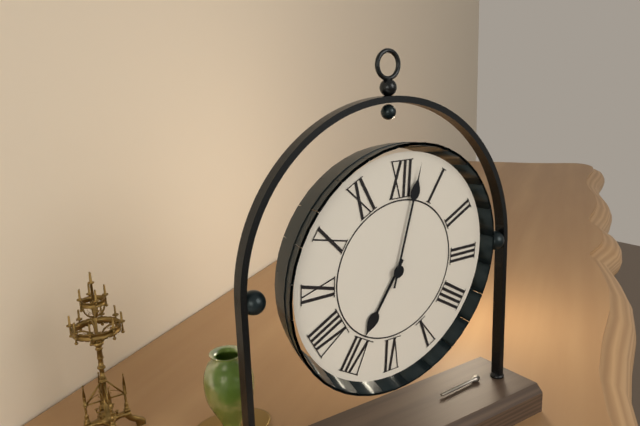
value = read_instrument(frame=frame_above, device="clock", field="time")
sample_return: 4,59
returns 7,02
